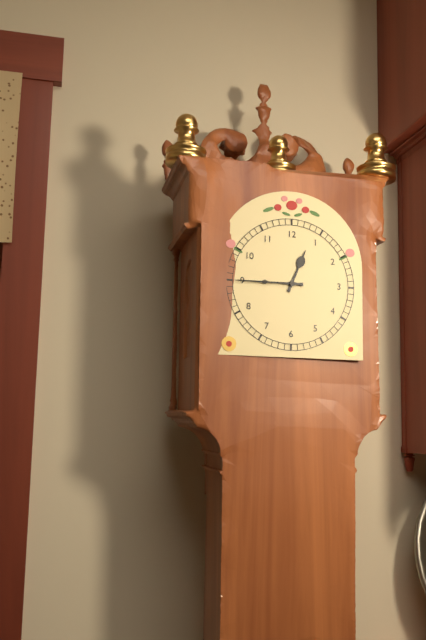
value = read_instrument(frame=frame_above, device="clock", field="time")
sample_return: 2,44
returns 12,45
